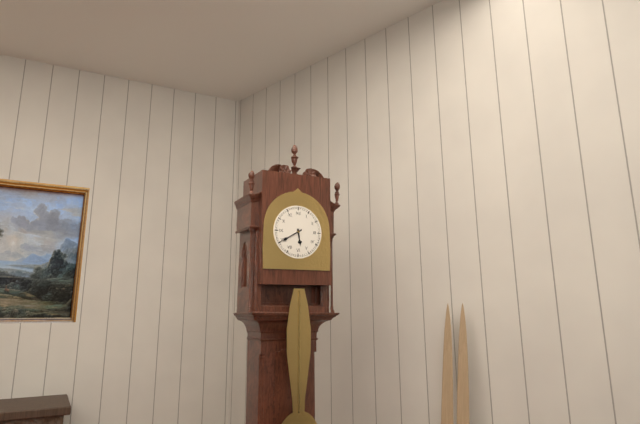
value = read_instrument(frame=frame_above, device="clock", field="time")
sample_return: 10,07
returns 5,40
